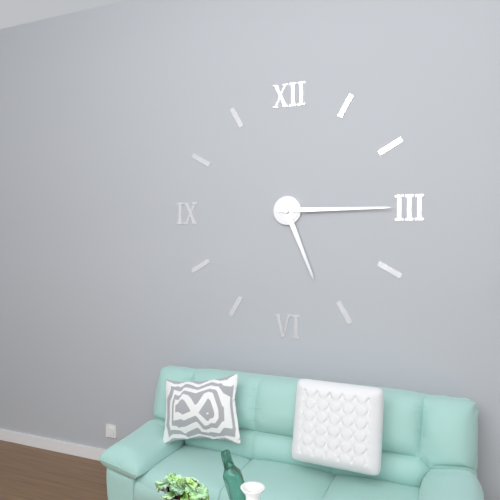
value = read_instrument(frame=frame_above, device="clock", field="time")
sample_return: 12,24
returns 5,15
